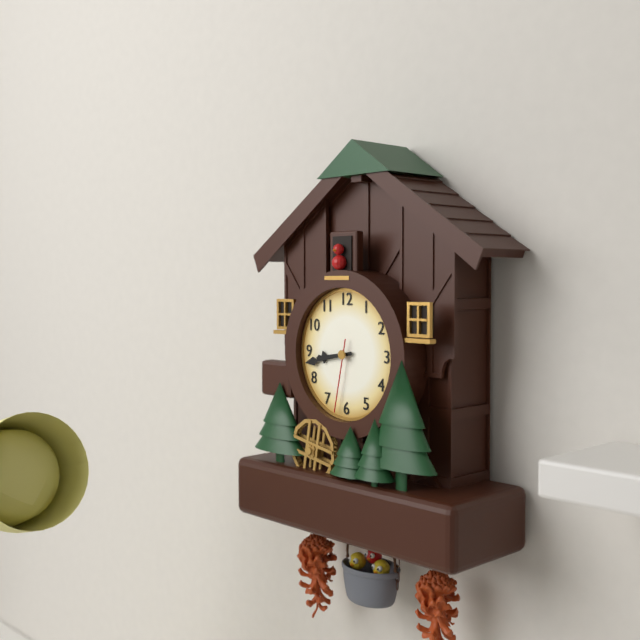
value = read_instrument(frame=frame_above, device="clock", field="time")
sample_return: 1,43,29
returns 8,43,32
